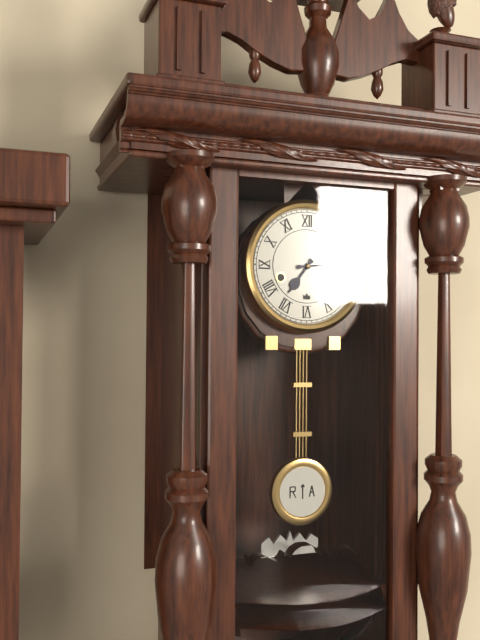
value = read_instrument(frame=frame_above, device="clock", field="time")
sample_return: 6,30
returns 7,14
